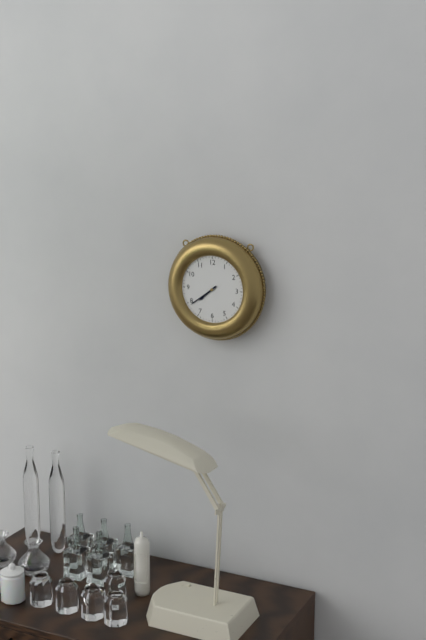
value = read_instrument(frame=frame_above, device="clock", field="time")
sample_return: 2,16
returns 7,39
